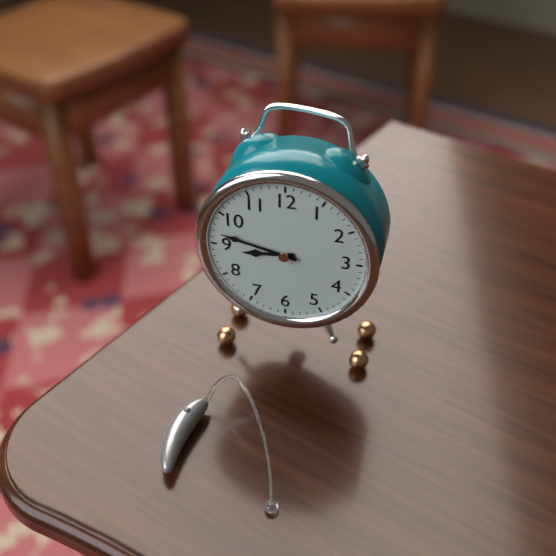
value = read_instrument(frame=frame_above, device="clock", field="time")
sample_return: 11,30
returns 8,47
